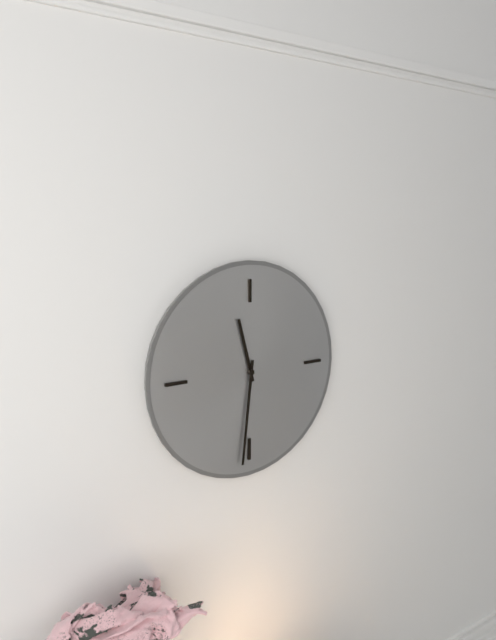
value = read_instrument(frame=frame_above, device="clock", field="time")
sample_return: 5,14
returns 11,31
